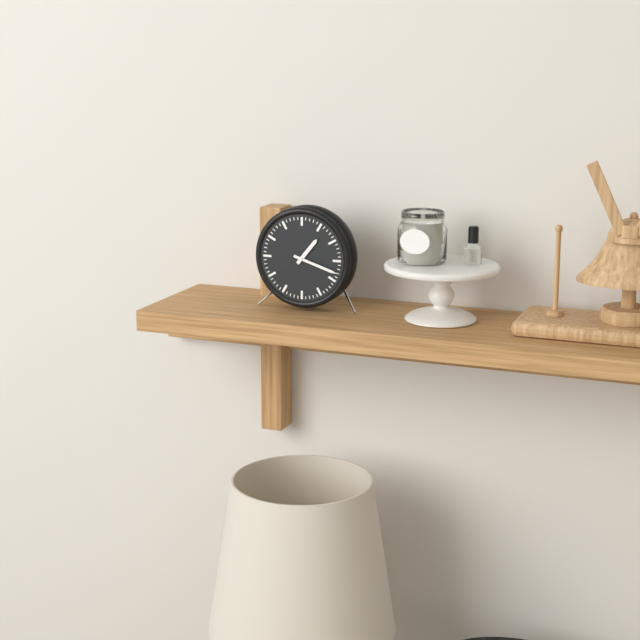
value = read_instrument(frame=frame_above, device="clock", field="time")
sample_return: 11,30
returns 1,18
